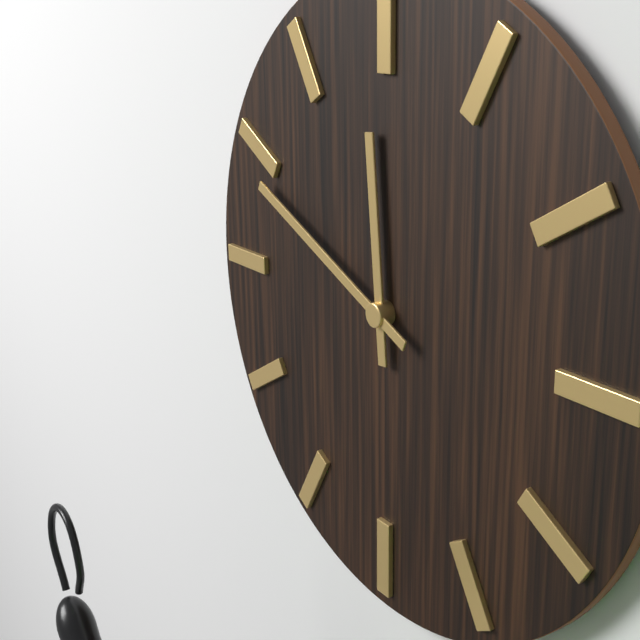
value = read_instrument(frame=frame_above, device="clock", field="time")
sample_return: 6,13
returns 11,49
